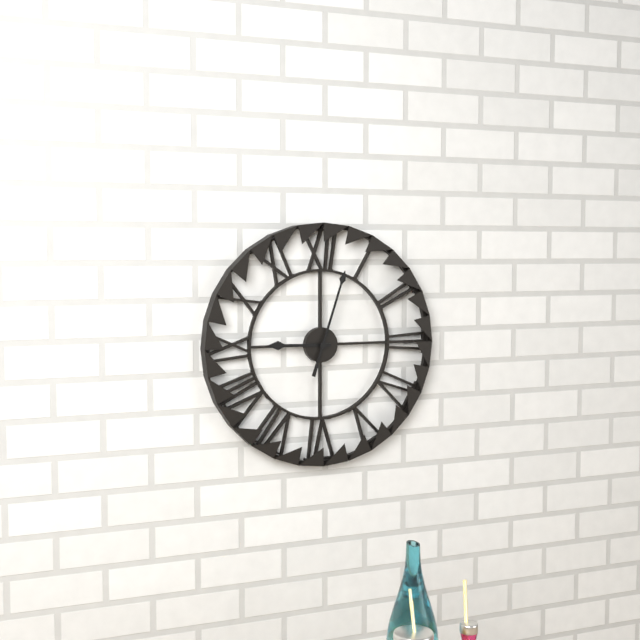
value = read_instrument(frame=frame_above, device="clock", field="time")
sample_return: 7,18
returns 9,03
